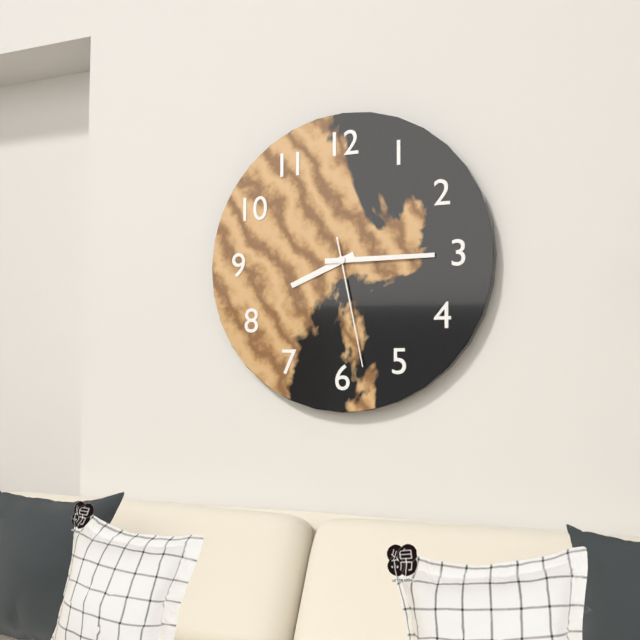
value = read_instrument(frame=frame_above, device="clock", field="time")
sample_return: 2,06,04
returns 8,15,28
